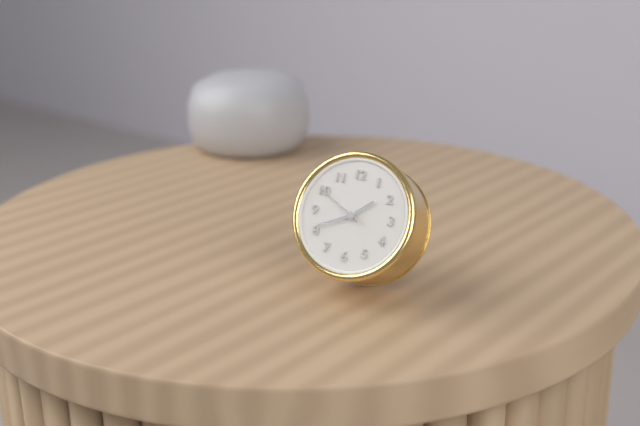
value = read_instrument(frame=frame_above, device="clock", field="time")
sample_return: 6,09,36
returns 1,41,50
